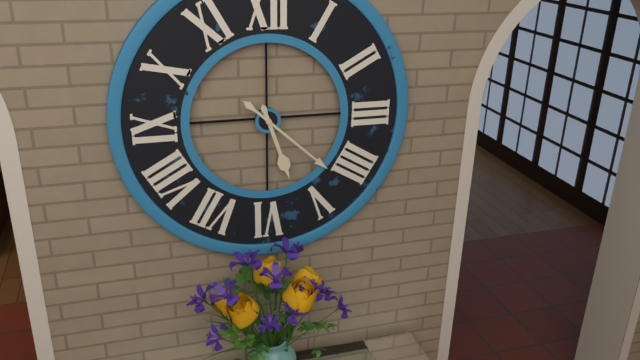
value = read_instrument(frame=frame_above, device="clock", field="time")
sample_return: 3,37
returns 5,22
